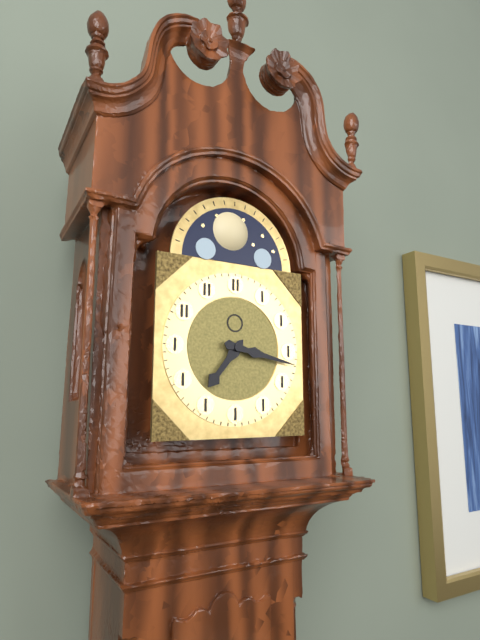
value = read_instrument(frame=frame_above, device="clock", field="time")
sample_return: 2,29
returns 7,17
